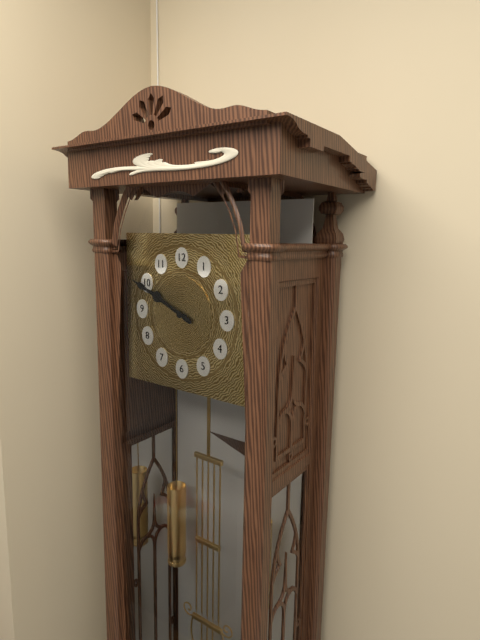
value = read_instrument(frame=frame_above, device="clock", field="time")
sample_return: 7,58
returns 9,49
